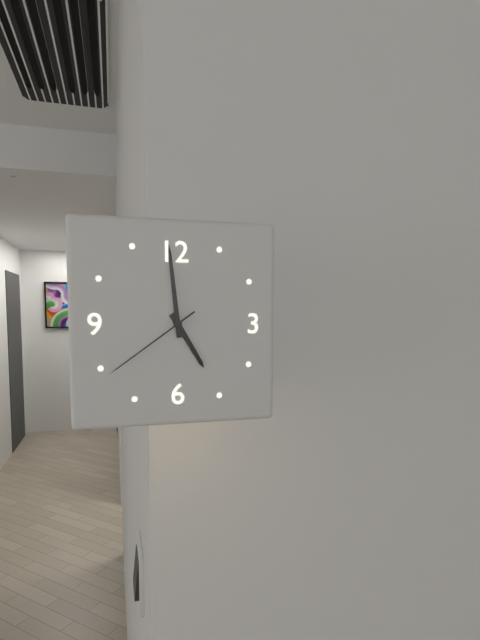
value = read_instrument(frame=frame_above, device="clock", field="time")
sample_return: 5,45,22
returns 4,59,39
